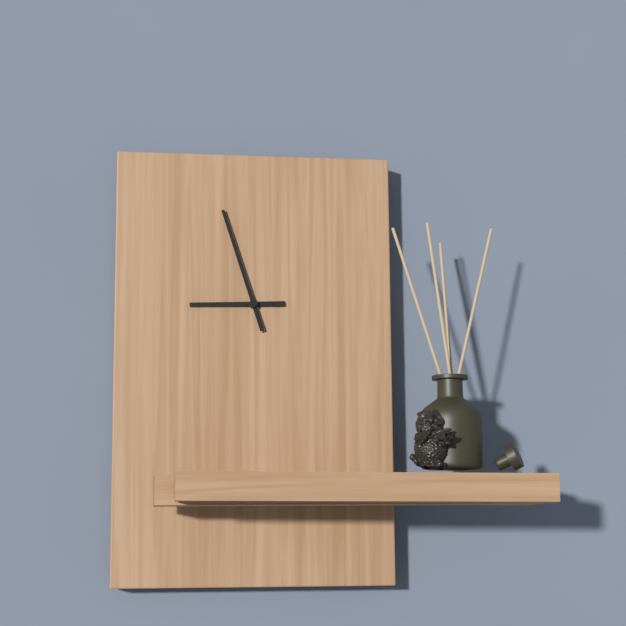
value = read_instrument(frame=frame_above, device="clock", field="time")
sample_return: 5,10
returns 8,57
